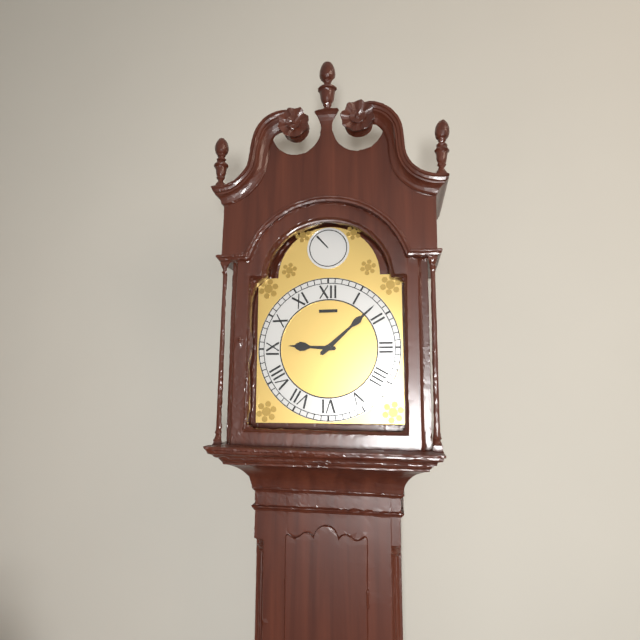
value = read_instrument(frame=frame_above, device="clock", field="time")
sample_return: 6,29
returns 9,08
